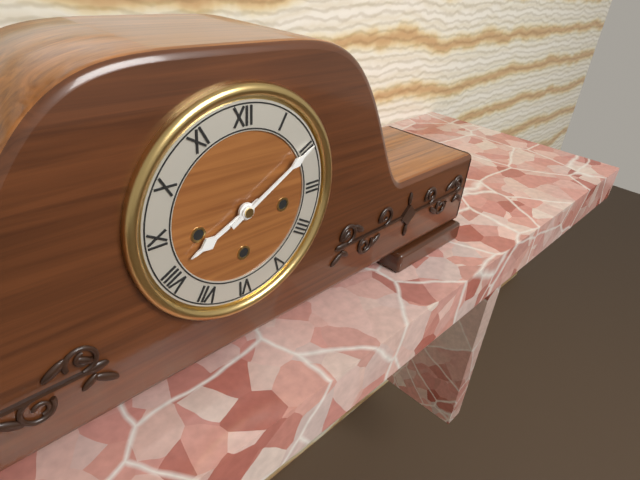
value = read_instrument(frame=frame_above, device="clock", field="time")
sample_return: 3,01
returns 8,10
